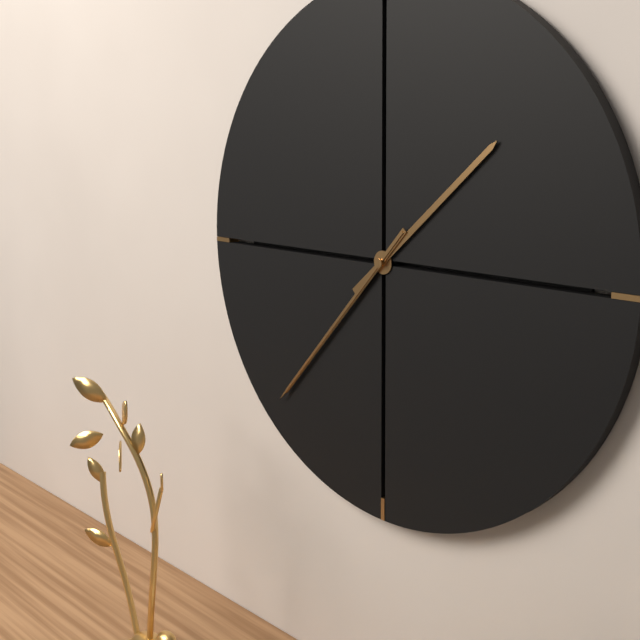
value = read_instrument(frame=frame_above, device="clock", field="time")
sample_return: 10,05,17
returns 1,37,37
